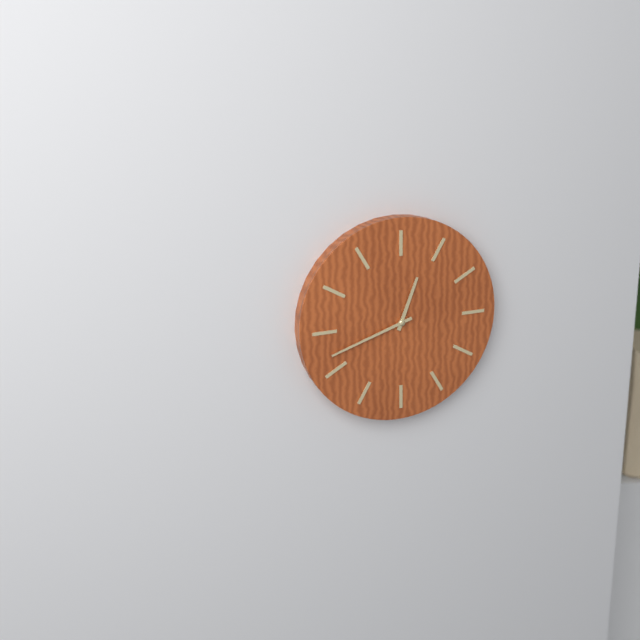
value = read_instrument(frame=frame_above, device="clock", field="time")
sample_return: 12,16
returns 12,42
